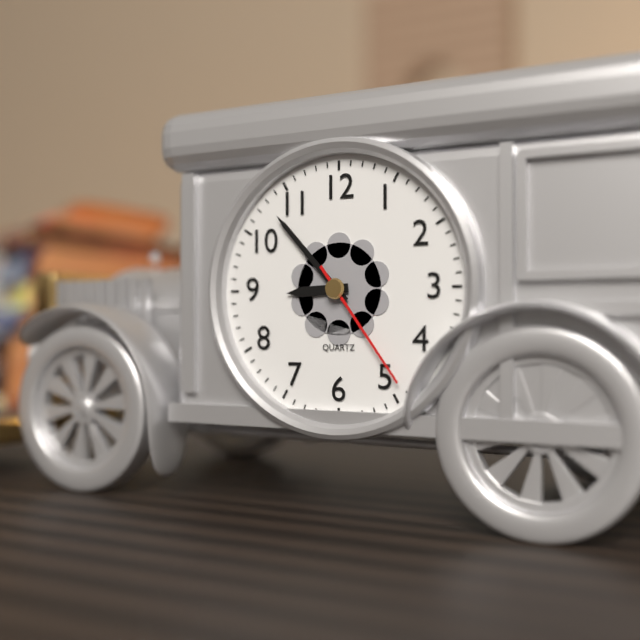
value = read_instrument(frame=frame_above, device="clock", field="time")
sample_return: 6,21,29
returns 8,53,24
